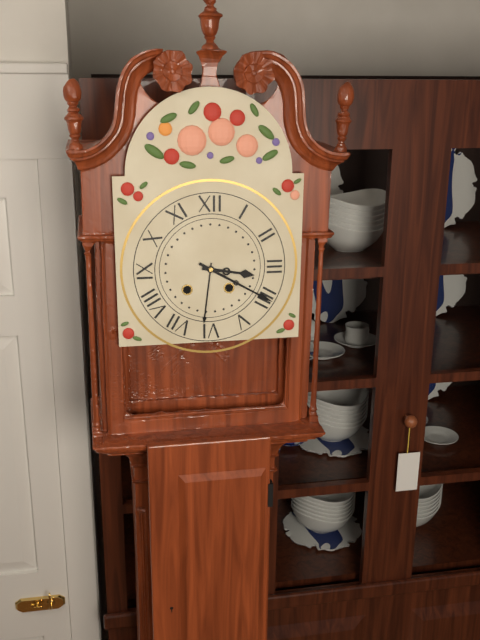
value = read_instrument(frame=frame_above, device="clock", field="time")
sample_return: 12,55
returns 3,20
